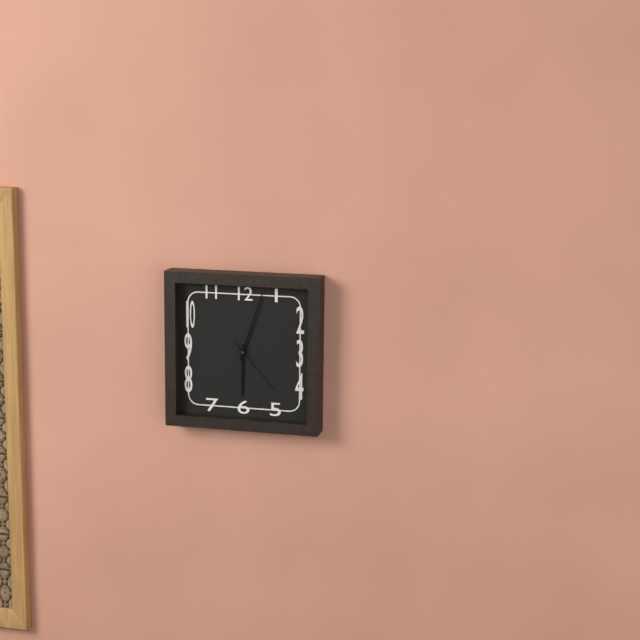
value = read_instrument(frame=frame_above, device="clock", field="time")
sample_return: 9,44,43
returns 6,03,23
